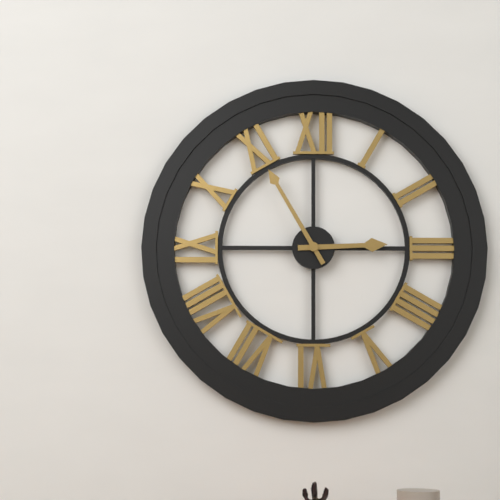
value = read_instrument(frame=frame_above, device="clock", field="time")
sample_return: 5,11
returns 2,55
